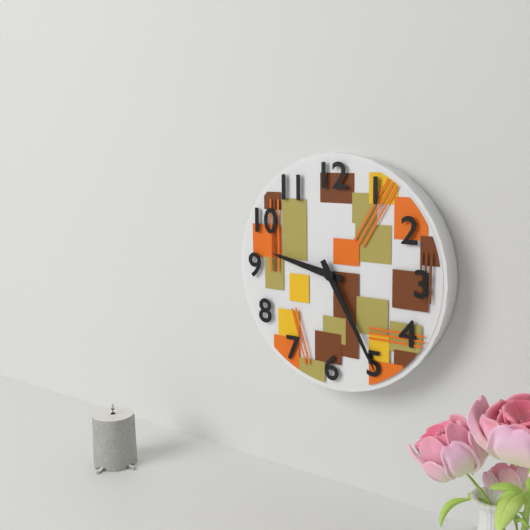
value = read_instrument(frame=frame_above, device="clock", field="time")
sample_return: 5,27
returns 9,25
